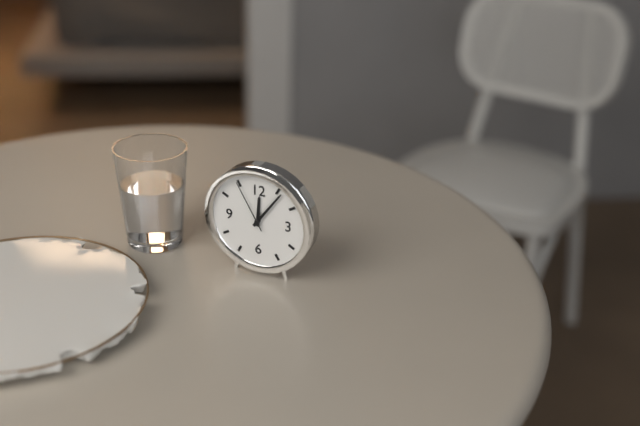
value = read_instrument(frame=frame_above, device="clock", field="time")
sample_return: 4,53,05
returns 12,06,55
